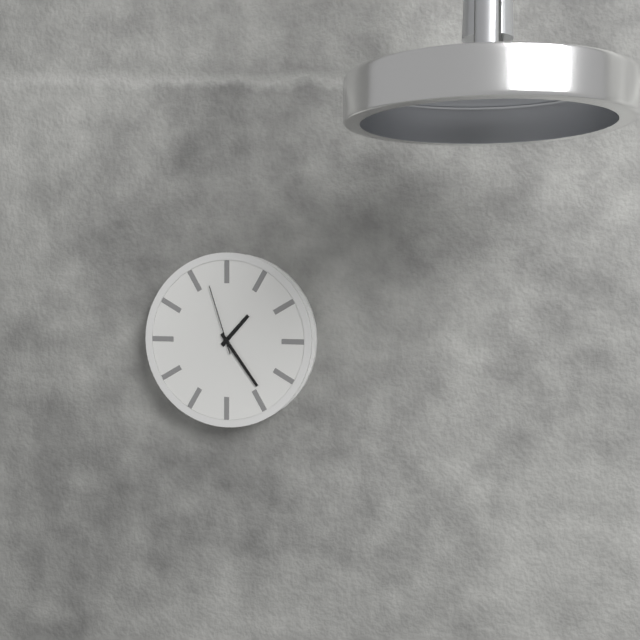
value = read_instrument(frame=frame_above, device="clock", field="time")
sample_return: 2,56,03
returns 1,24,57
